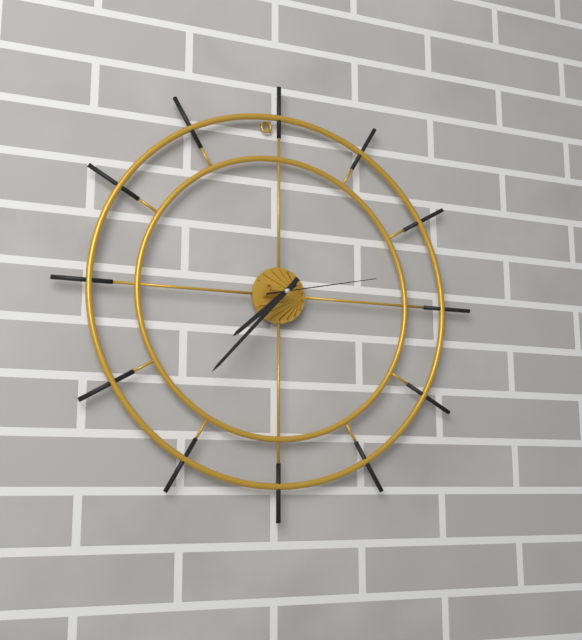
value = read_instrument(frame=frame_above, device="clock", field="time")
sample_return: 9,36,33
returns 7,37,13
